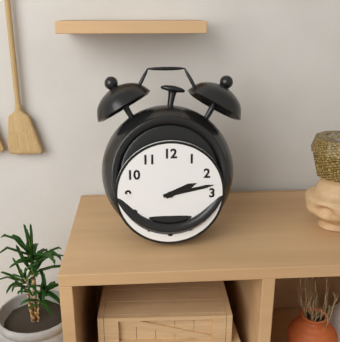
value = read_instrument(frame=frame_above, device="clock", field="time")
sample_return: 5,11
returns 2,13
